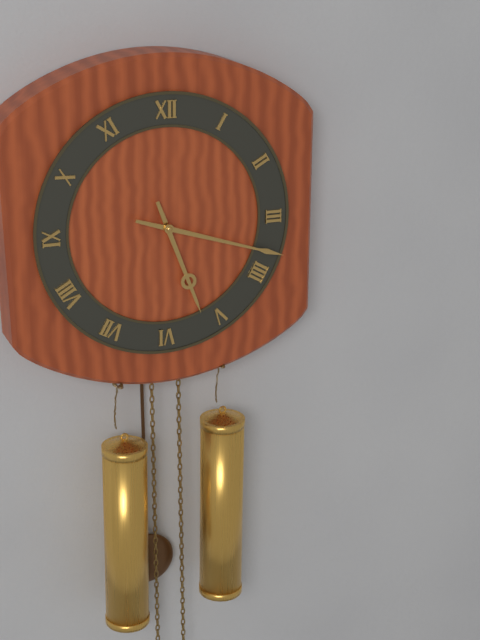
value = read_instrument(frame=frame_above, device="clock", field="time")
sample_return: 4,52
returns 5,18
